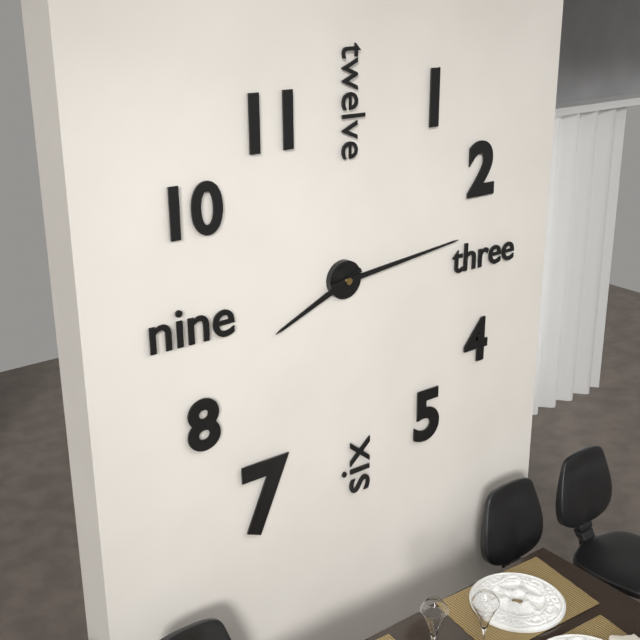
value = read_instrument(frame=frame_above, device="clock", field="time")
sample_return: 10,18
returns 8,14
